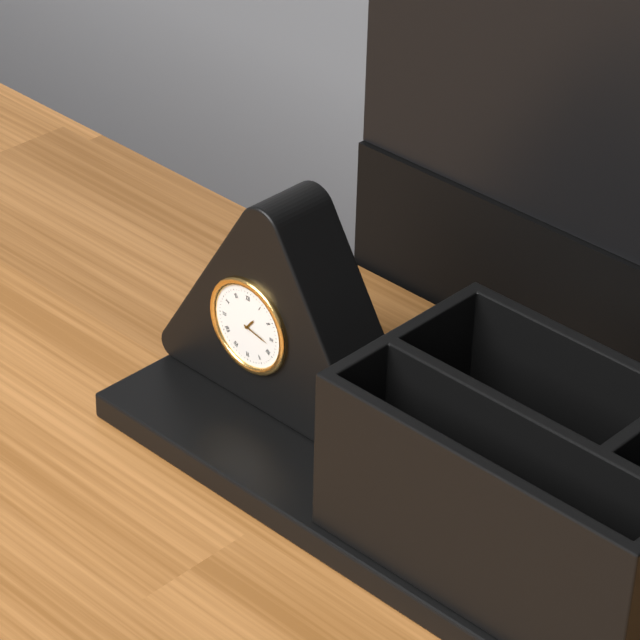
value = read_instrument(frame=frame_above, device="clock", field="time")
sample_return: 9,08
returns 1,17
